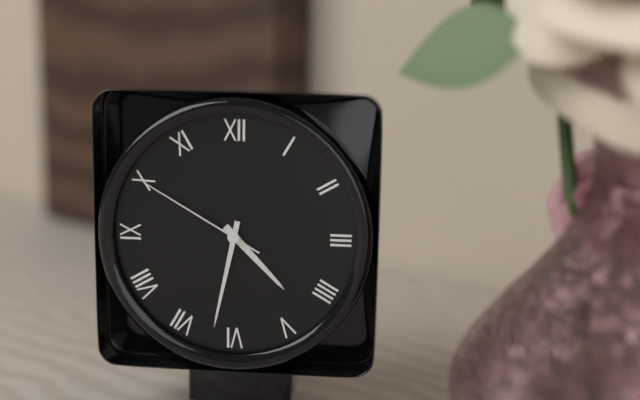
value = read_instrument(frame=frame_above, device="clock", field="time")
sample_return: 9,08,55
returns 4,32,50
